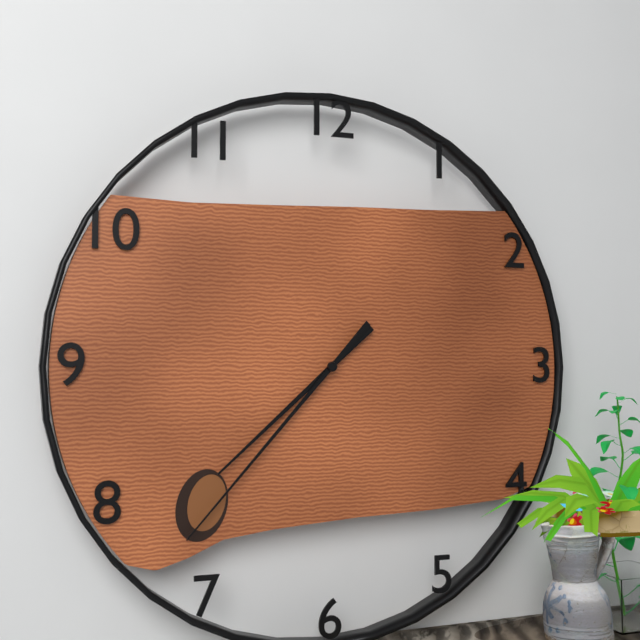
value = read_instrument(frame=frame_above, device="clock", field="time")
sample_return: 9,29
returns 7,37
